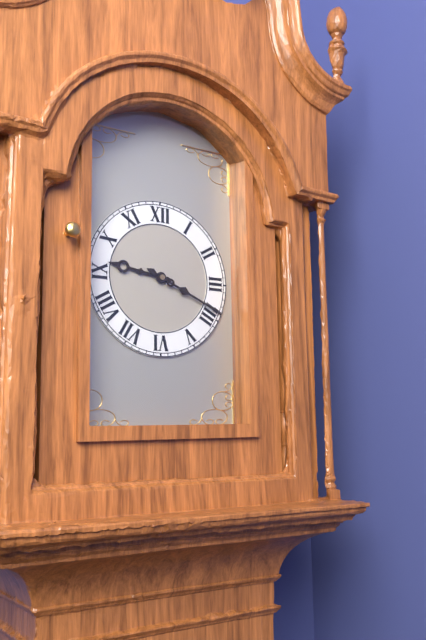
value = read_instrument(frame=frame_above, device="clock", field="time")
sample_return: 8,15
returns 9,19
